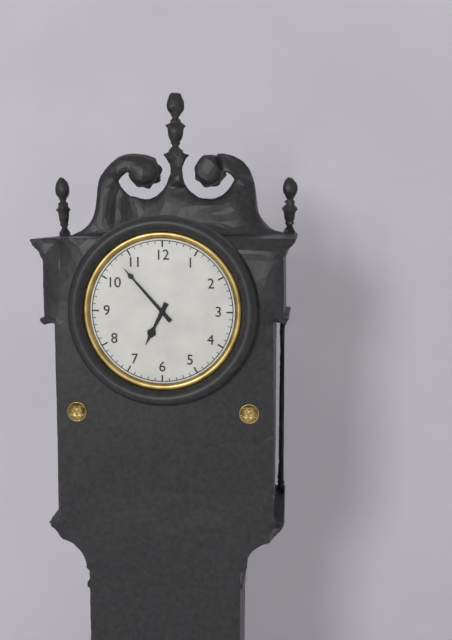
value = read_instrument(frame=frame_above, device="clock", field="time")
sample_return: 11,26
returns 6,53
